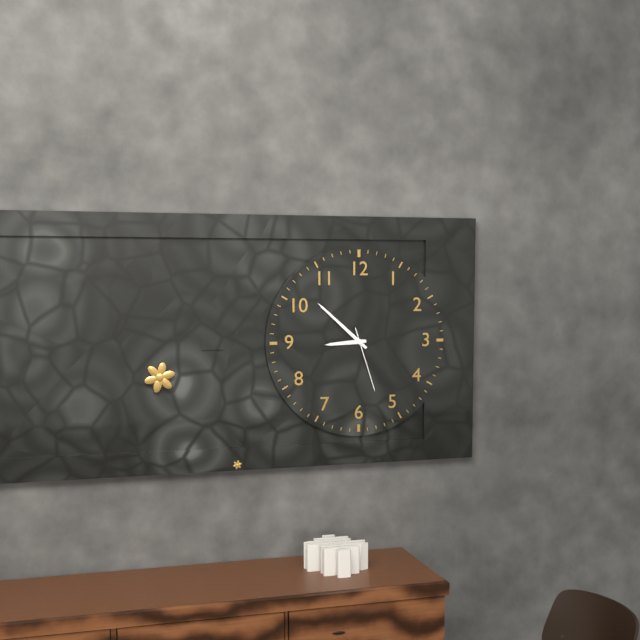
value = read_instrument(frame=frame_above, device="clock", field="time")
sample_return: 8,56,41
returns 8,52,27
